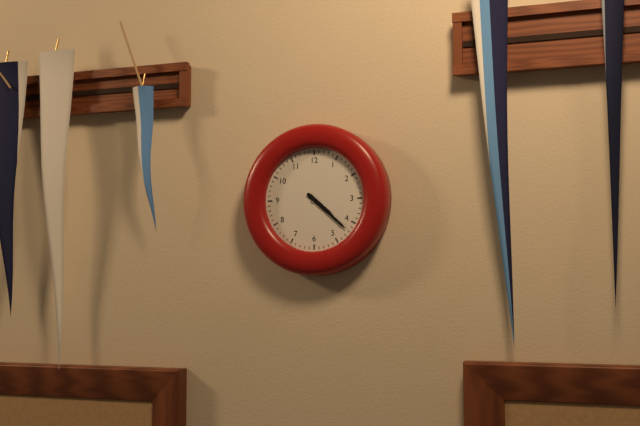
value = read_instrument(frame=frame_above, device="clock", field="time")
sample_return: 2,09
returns 4,22
